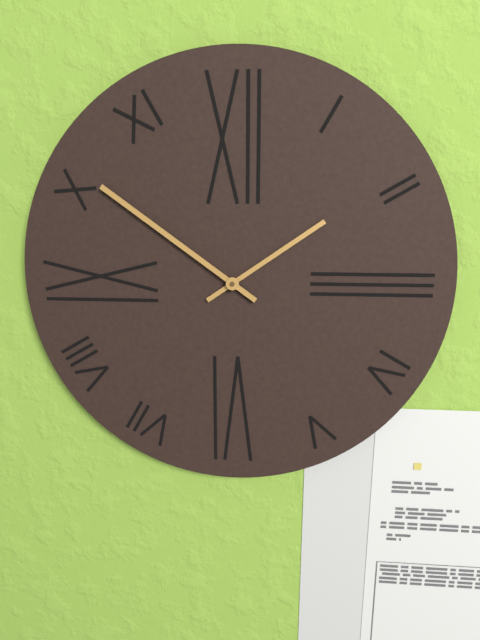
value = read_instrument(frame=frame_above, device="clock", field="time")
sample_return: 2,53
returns 1,51
